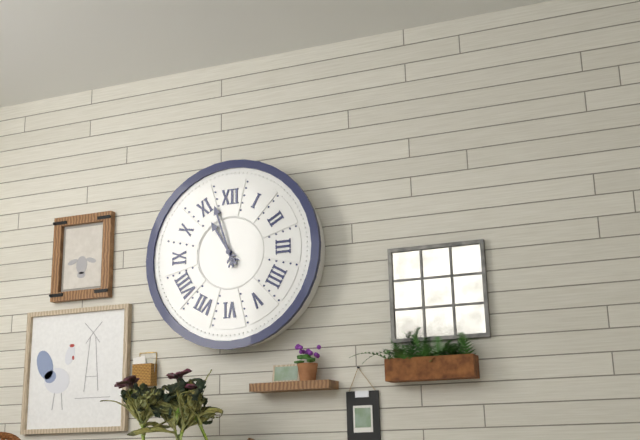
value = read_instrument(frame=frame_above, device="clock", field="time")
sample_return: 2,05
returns 10,57
